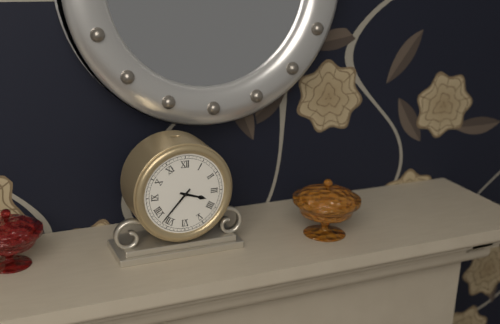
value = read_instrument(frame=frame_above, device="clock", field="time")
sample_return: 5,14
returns 3,37
